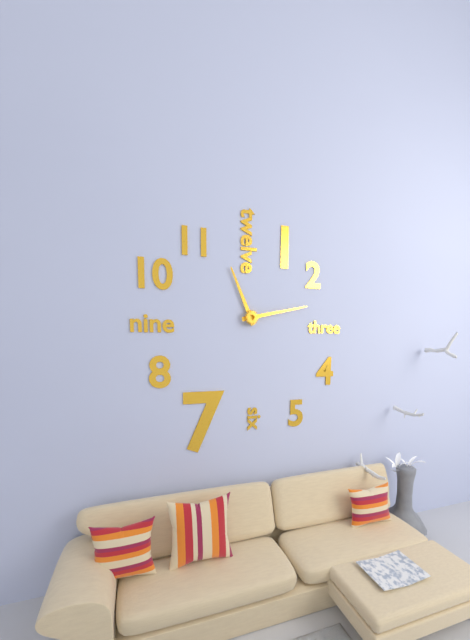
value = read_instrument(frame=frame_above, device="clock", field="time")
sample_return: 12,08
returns 11,13
